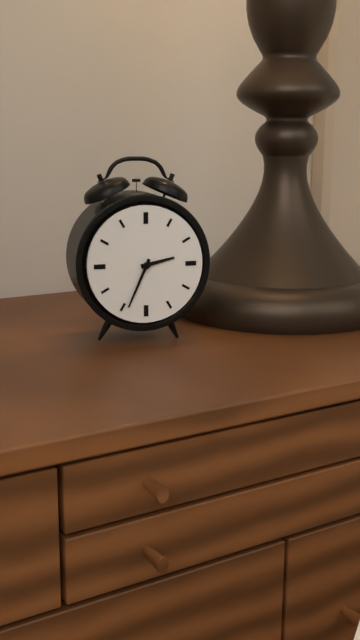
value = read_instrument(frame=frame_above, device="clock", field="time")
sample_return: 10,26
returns 2,34
